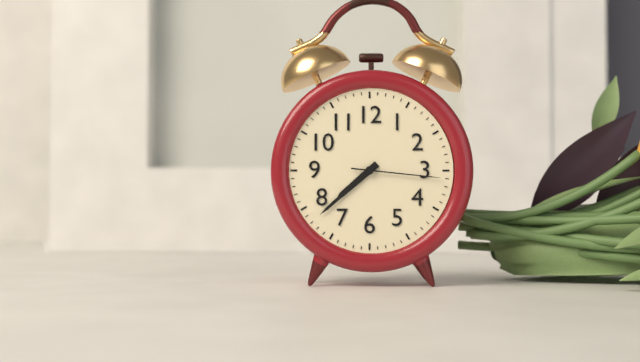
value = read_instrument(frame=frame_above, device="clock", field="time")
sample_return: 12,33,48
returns 7,38,16
